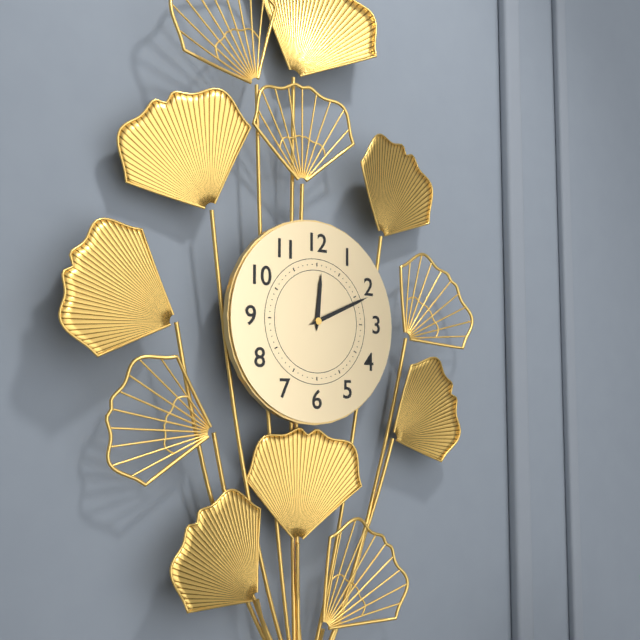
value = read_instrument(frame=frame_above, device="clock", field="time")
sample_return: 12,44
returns 12,11
